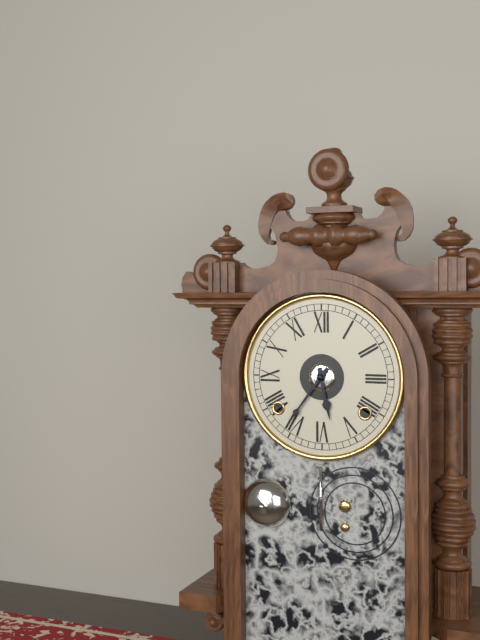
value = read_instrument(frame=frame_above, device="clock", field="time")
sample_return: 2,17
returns 5,36
